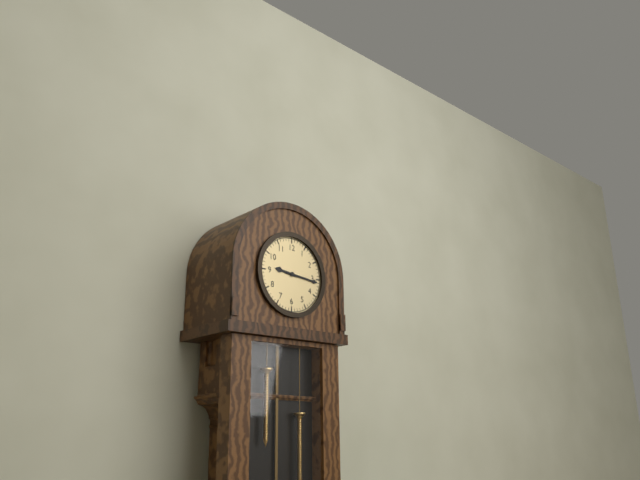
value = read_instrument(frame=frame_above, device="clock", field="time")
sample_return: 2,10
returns 9,16
